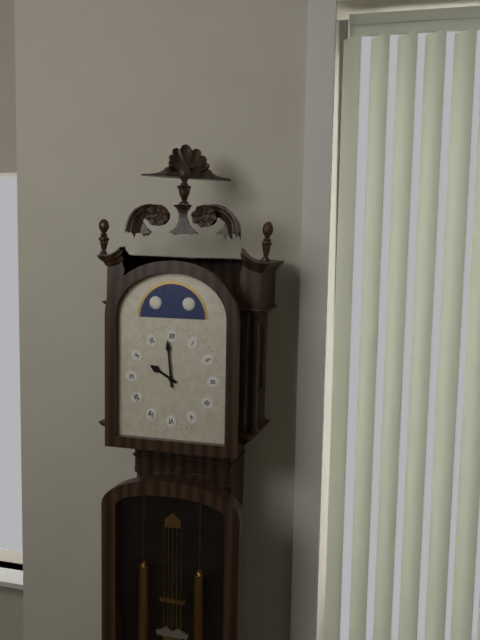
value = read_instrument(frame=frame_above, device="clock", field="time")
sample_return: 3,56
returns 9,59
